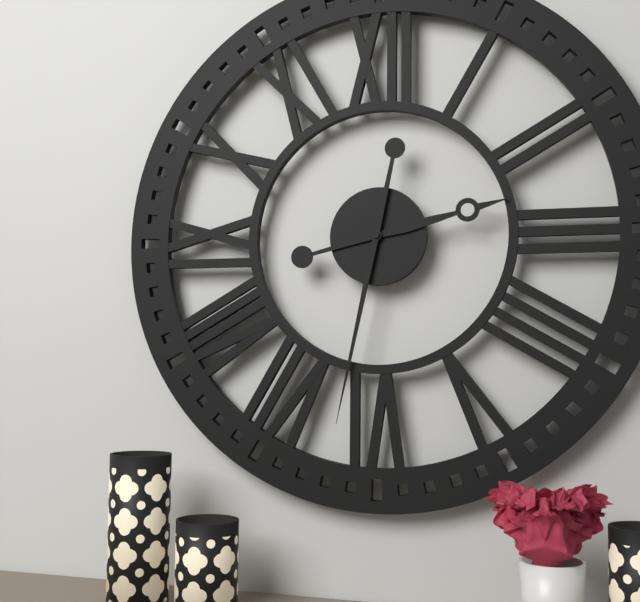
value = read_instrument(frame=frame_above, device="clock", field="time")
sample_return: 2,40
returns 2,32
